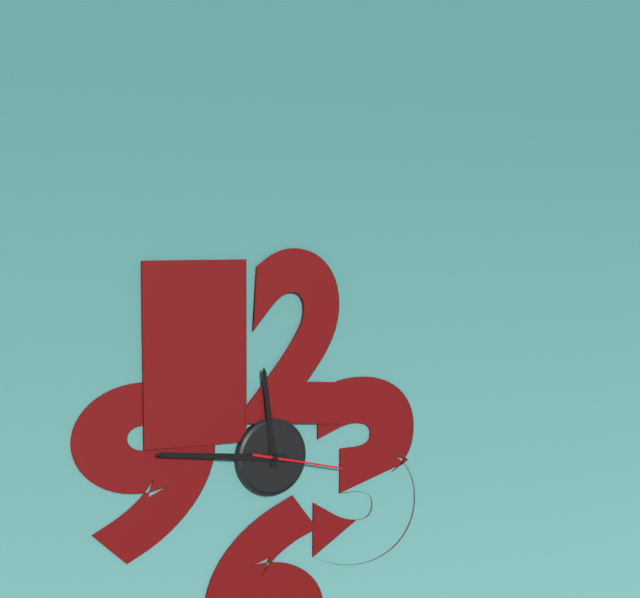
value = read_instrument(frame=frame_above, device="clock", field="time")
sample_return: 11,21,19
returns 11,46,17
